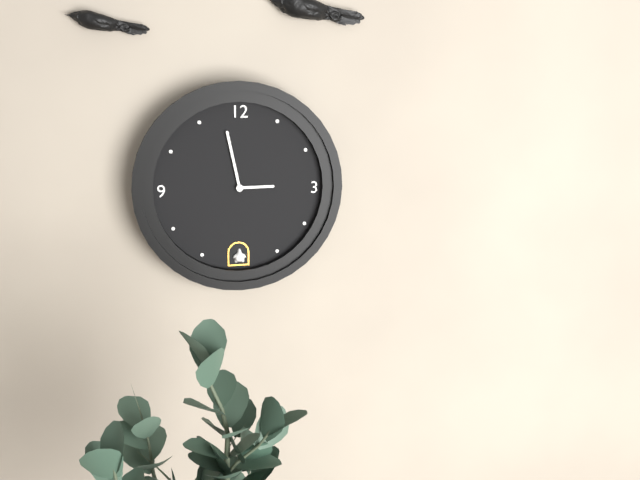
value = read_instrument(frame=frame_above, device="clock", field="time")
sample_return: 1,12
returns 2,58
